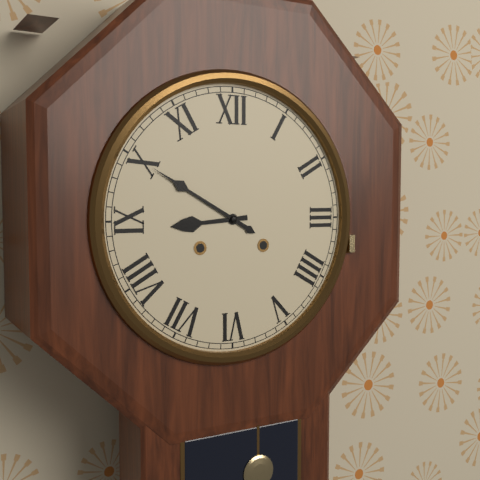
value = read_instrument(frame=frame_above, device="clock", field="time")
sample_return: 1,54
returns 8,50
